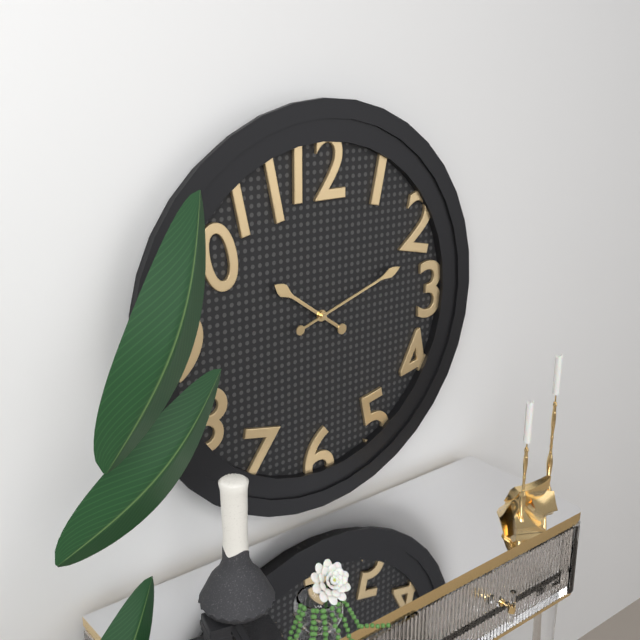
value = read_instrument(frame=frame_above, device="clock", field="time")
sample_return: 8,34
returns 10,12
